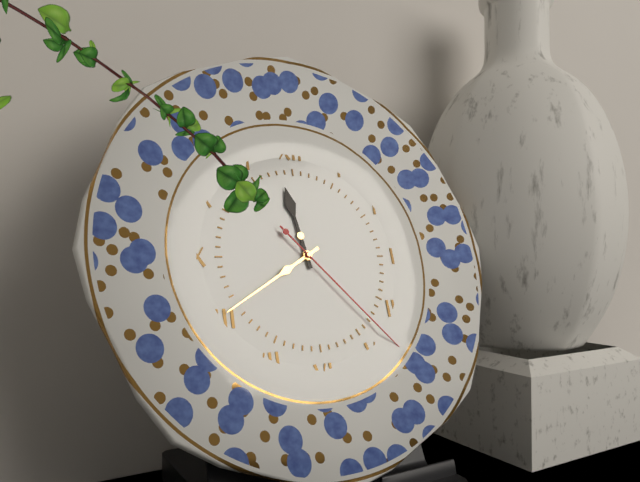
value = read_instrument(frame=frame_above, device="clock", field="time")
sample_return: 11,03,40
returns 11,40,23
